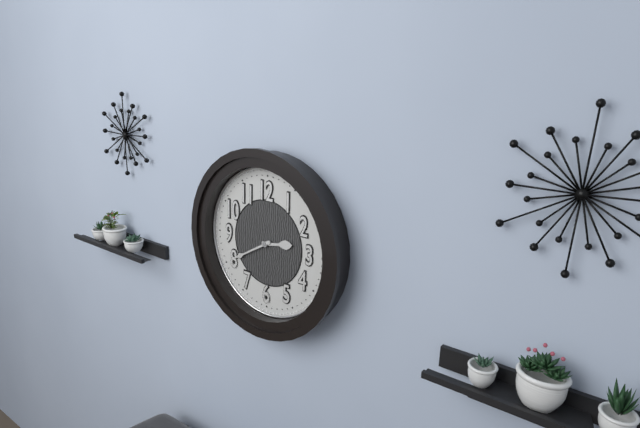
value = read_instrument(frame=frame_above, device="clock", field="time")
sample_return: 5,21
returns 2,40
